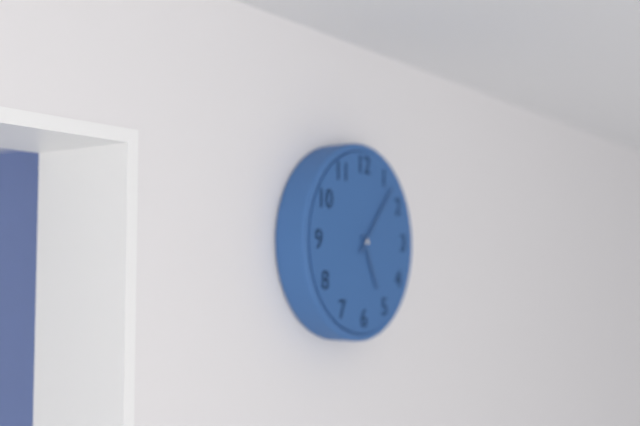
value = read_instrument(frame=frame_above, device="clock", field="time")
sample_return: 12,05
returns 5,07
